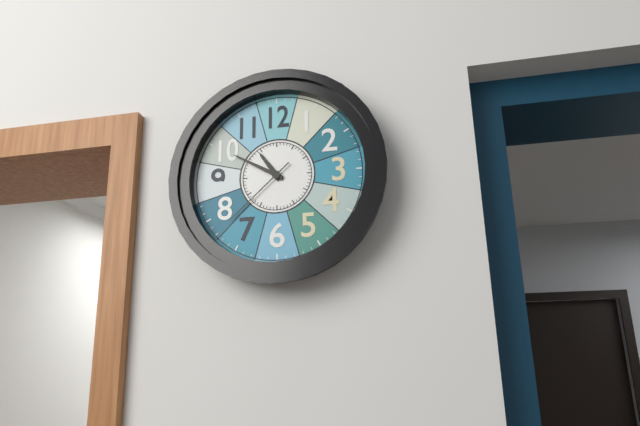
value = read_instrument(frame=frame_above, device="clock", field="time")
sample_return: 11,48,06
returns 10,50,38
